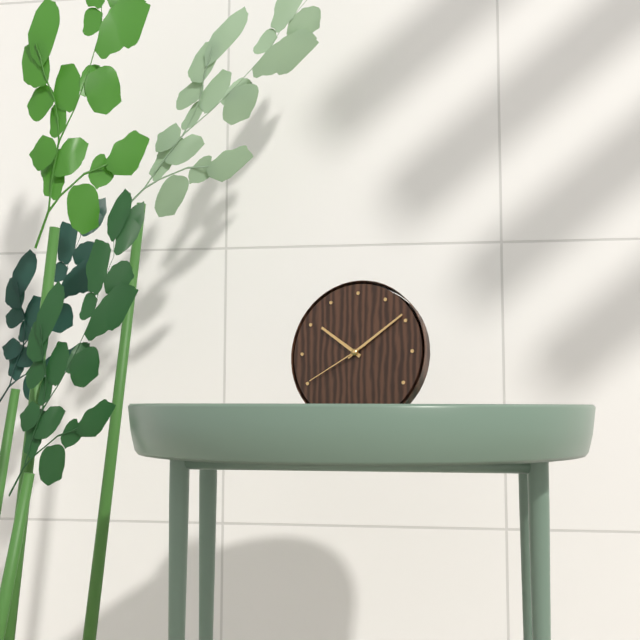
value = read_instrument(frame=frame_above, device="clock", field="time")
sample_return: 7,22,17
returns 10,09,40
